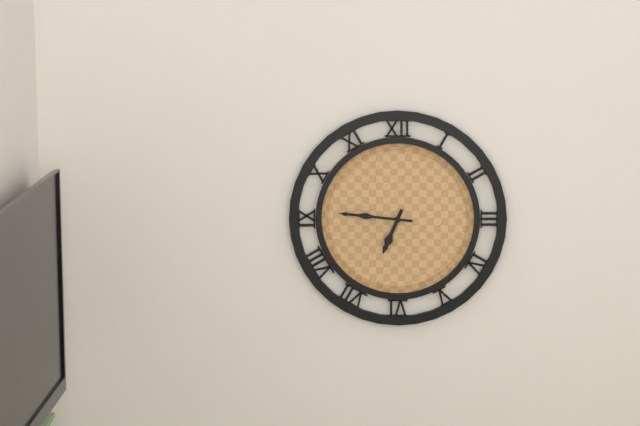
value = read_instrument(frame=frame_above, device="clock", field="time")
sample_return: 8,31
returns 6,46
